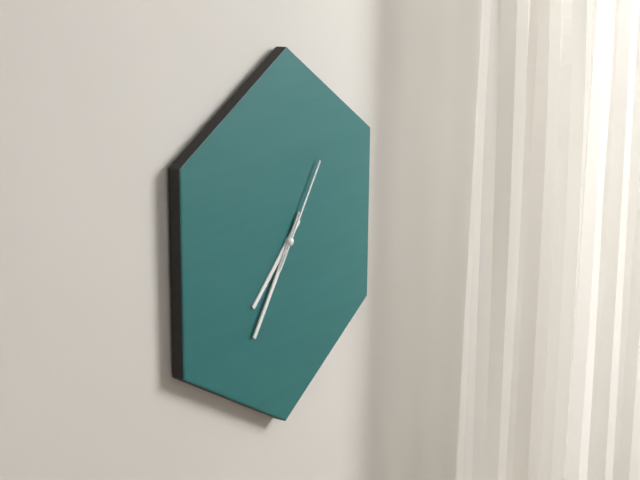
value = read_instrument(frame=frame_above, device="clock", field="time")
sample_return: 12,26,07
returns 7,36,06
